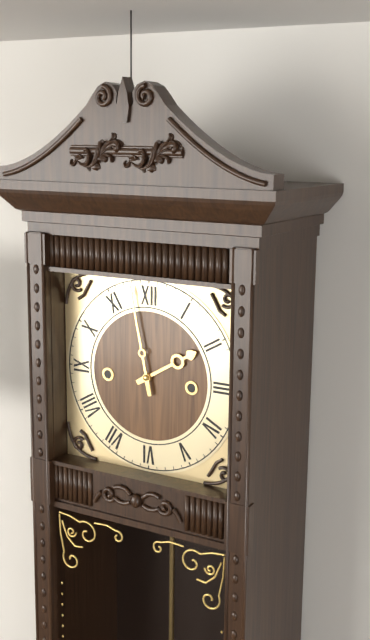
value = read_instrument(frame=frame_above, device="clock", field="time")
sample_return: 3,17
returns 1,58
